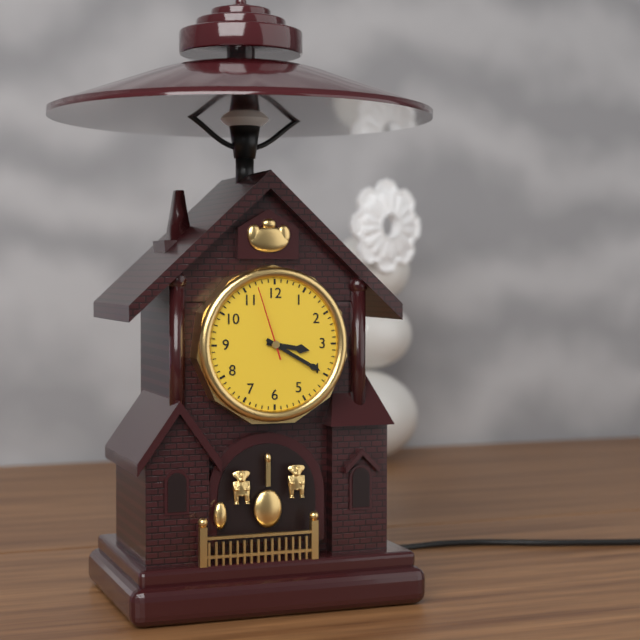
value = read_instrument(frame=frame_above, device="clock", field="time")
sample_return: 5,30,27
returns 3,20,57
